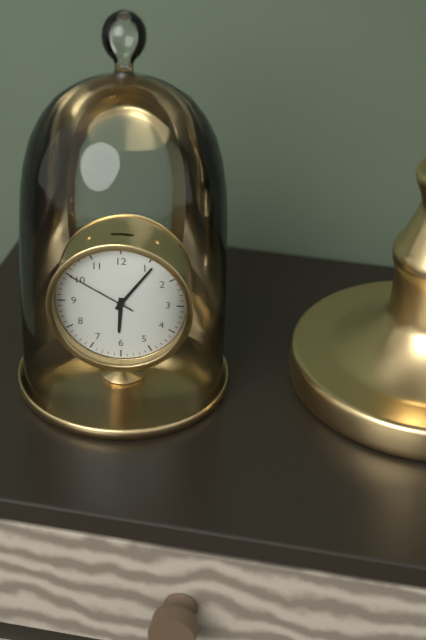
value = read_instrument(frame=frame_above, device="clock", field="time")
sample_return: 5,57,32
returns 6,06,50
